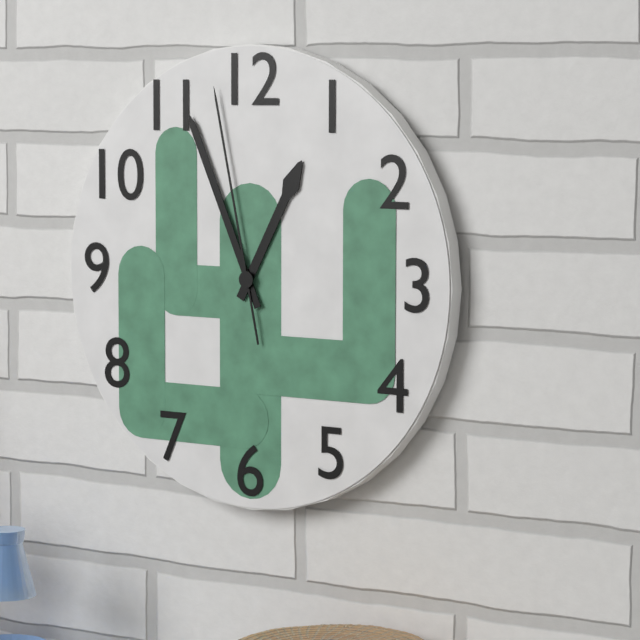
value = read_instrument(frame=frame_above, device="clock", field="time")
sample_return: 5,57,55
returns 12,56,58
